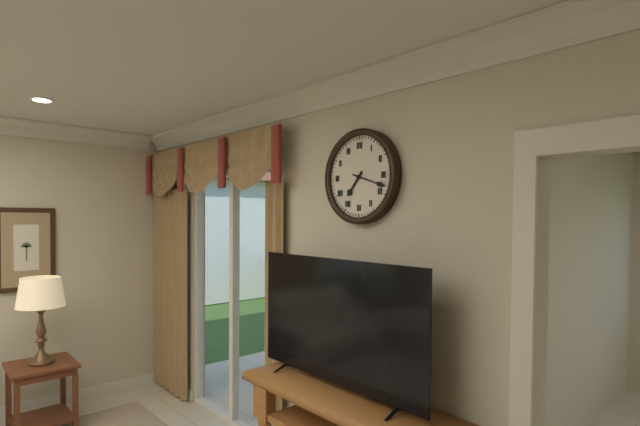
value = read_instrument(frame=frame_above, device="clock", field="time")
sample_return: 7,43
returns 7,18
